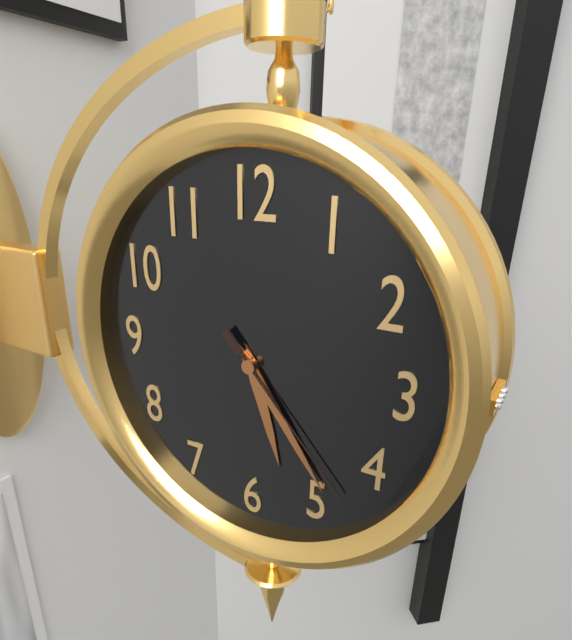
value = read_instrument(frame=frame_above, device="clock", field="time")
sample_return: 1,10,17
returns 5,24,23
